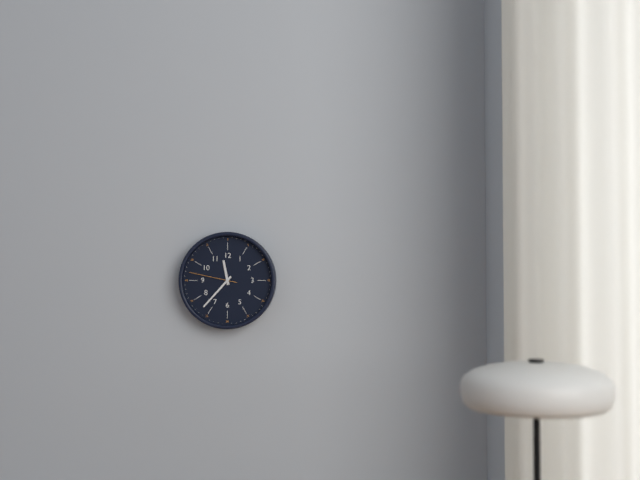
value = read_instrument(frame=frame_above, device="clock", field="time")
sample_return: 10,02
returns 11,37
